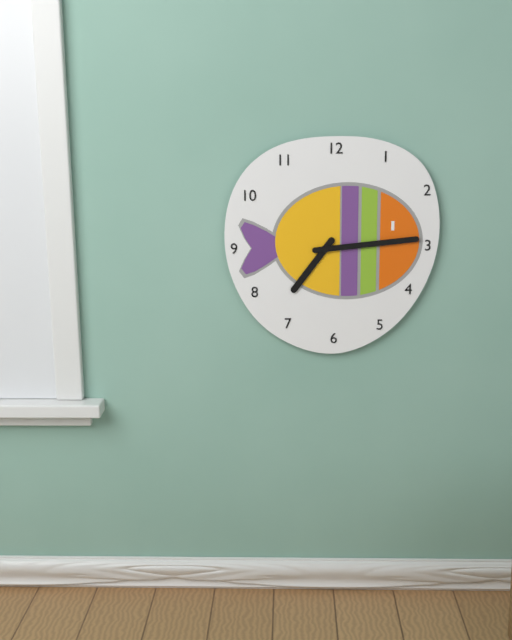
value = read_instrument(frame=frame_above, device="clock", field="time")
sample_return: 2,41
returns 7,14
